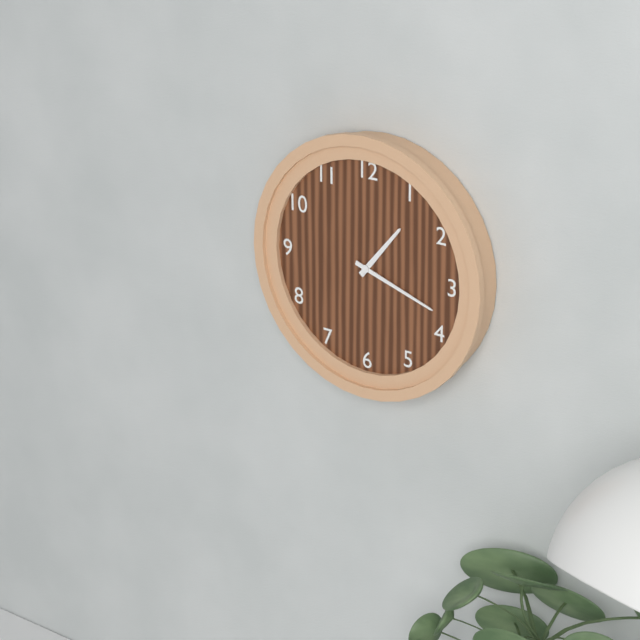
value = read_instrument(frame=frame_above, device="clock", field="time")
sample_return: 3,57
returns 1,18
